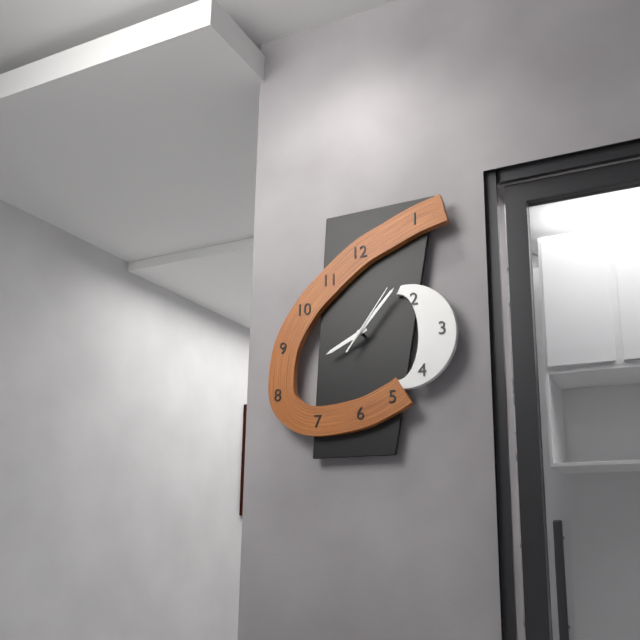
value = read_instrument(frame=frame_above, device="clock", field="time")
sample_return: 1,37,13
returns 8,07,06
